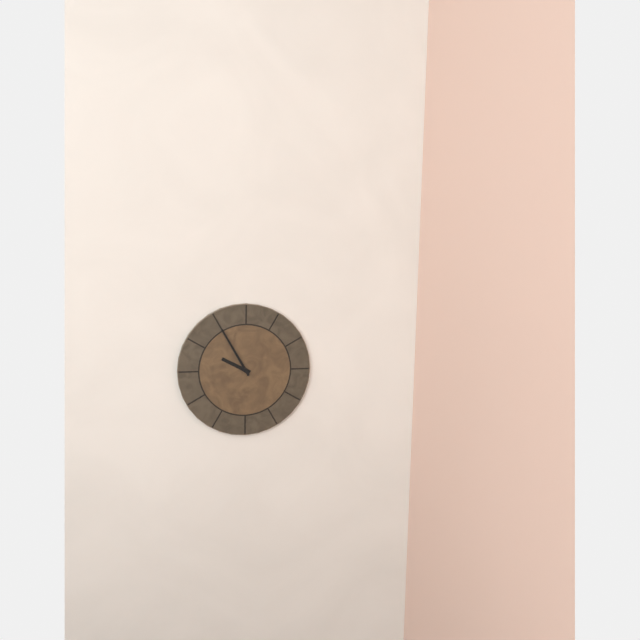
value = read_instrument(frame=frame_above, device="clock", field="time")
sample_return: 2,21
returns 9,55
